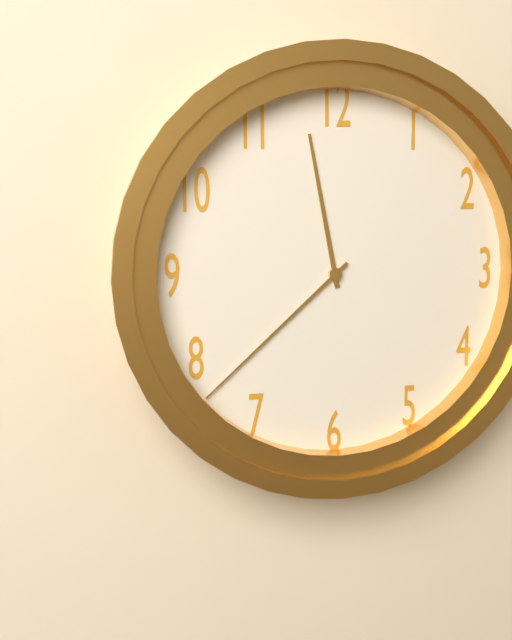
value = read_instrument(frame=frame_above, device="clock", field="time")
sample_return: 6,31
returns 11,38
